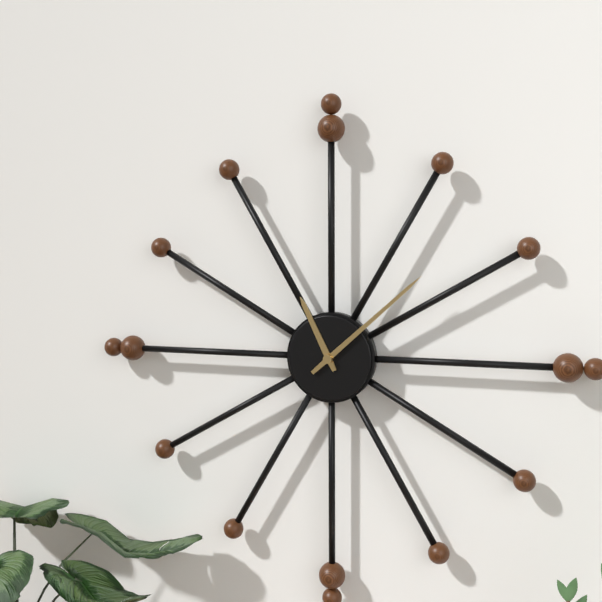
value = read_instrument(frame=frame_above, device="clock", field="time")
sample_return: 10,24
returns 11,08
